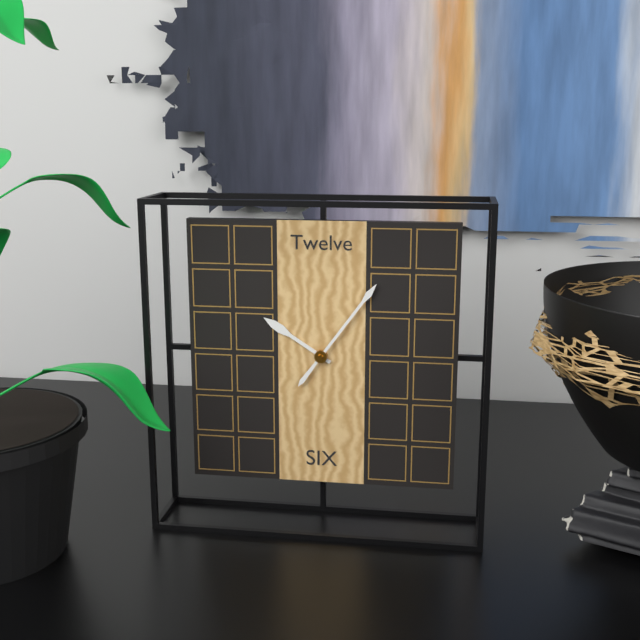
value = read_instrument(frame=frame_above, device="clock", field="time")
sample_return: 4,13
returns 10,06
